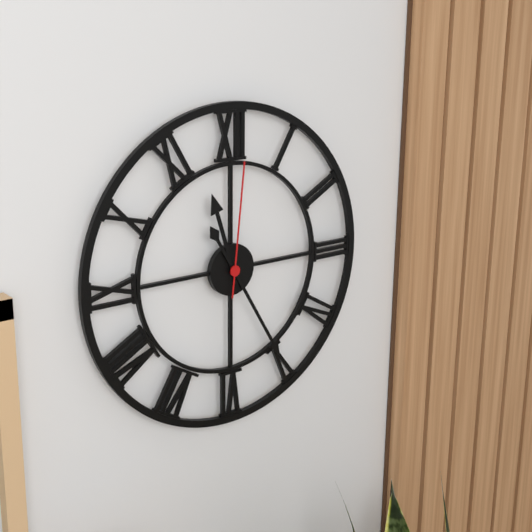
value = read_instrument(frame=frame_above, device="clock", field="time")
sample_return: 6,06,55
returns 11,25,01
